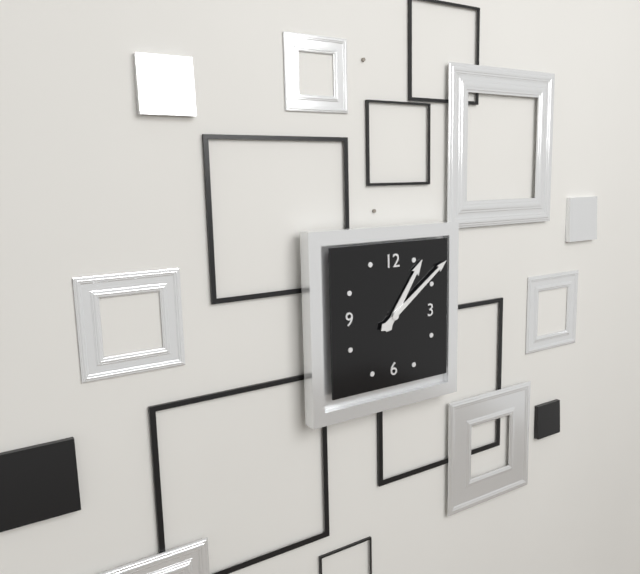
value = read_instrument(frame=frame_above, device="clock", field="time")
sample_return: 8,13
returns 1,09
